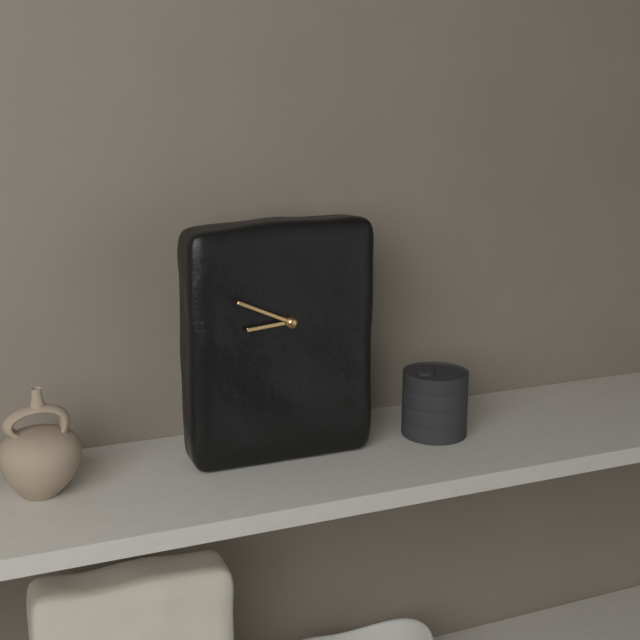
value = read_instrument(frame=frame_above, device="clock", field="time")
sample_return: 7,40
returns 8,49
